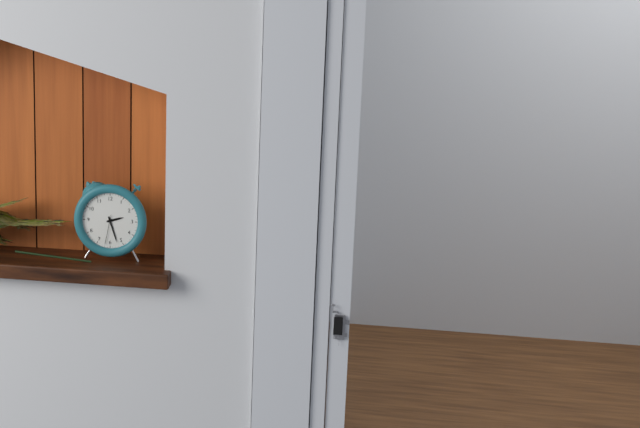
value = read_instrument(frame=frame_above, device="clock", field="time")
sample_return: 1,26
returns 2,27
